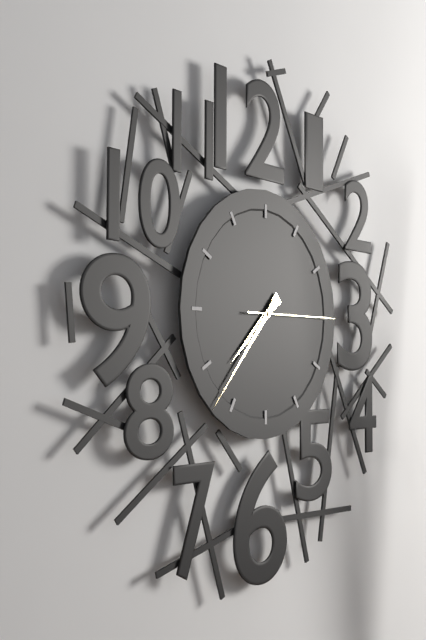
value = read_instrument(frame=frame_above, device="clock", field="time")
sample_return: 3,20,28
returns 7,37,15
